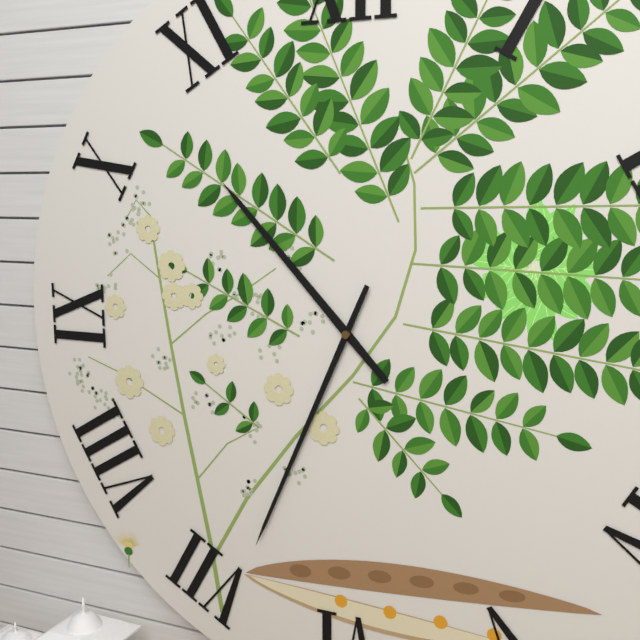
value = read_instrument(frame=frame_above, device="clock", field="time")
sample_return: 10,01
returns 10,34
